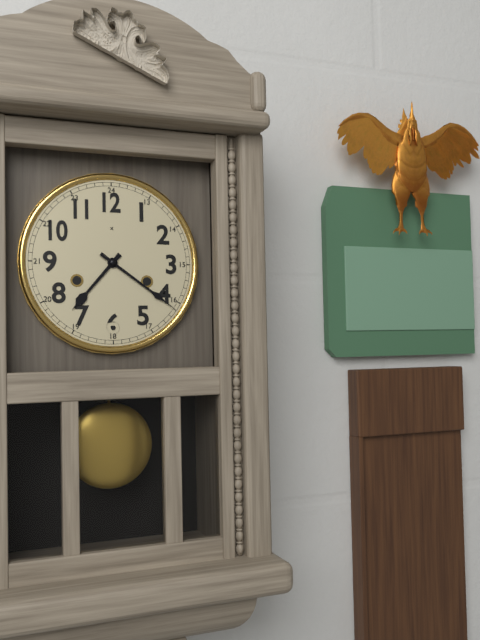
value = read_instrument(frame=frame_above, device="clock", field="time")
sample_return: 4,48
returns 7,21
